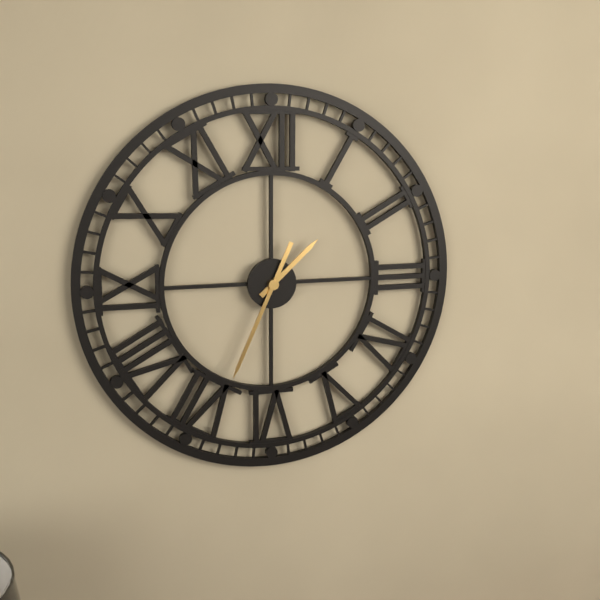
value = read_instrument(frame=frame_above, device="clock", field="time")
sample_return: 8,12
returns 1,34
